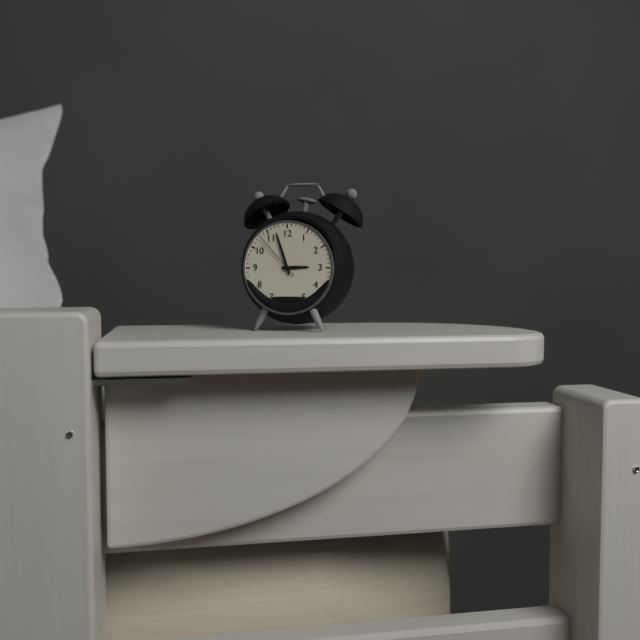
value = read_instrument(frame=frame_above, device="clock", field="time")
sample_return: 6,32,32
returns 2,57,53
